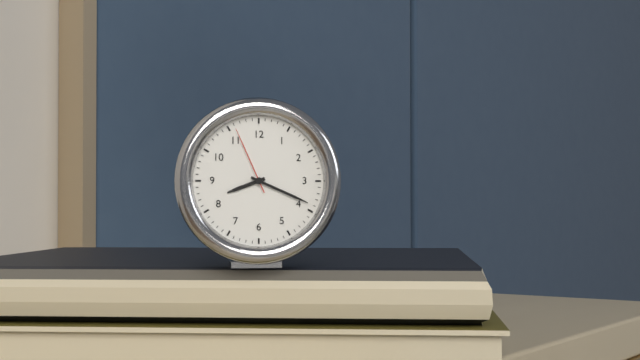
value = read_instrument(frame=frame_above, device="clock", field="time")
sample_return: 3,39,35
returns 8,19,56
